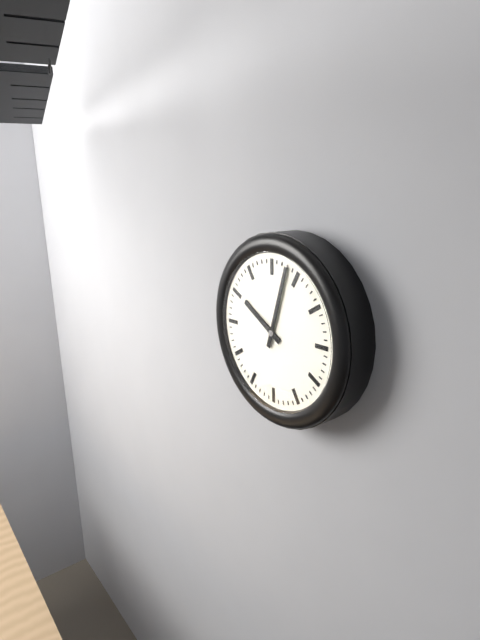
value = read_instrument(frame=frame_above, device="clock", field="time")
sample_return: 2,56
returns 10,03
